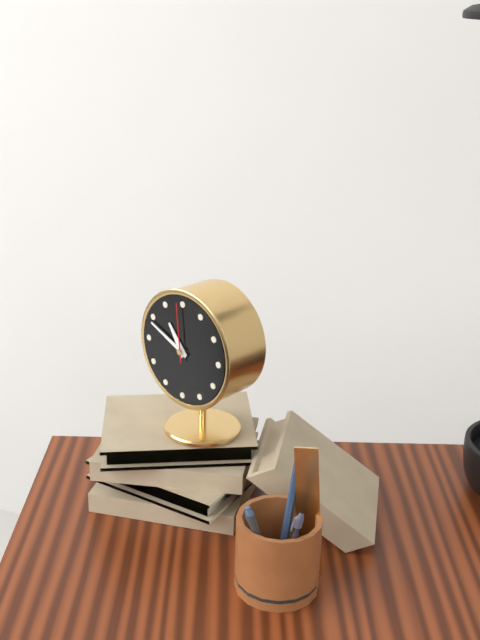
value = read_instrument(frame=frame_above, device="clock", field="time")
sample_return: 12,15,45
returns 10,49,59
